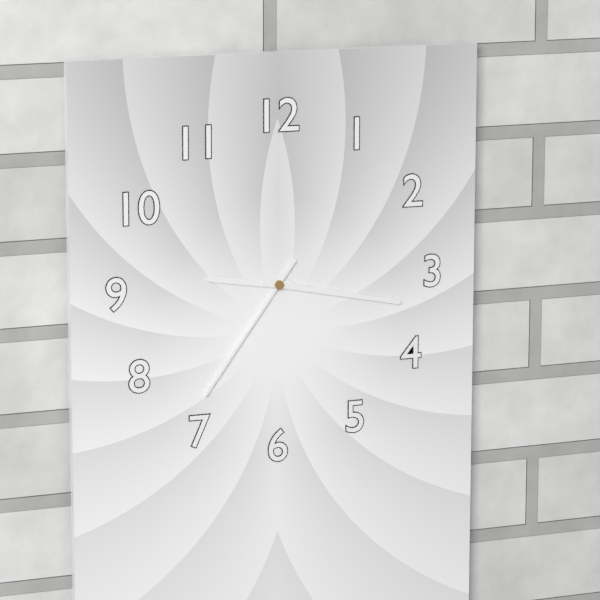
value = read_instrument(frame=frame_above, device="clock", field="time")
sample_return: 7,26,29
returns 9,17,36
